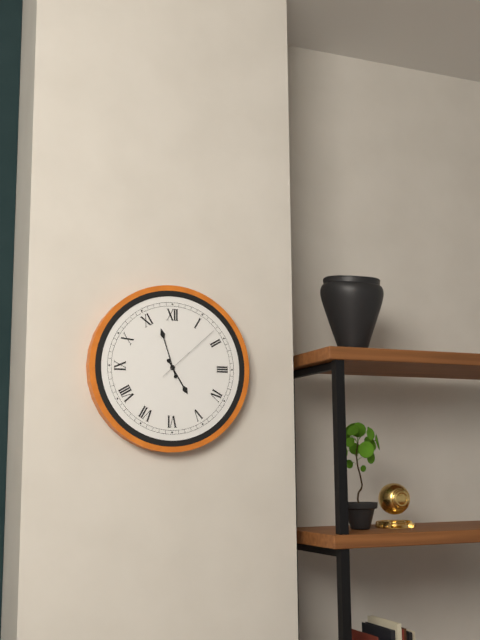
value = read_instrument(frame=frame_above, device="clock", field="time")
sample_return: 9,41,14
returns 4,57,08
